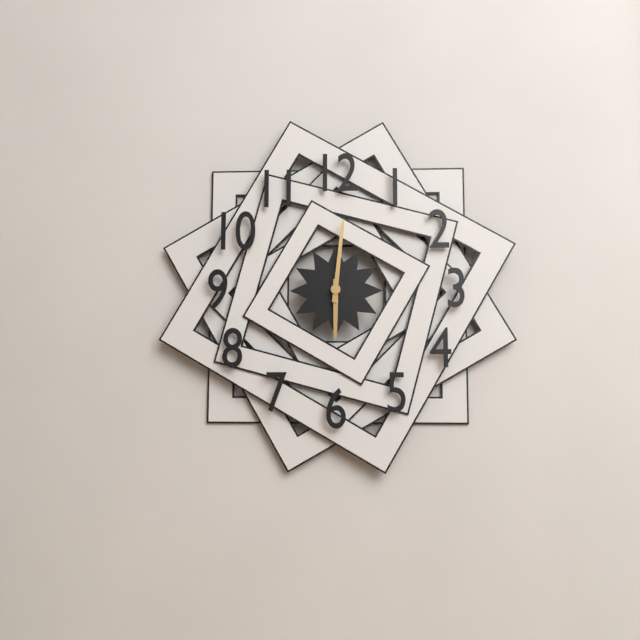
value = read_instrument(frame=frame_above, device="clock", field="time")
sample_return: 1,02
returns 6,01
